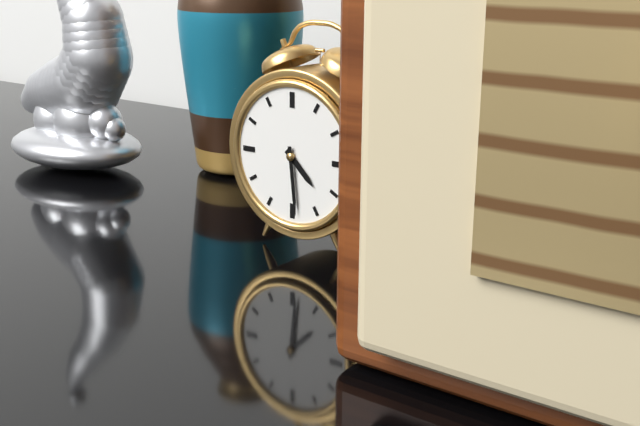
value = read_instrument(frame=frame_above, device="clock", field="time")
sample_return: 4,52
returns 4,29
